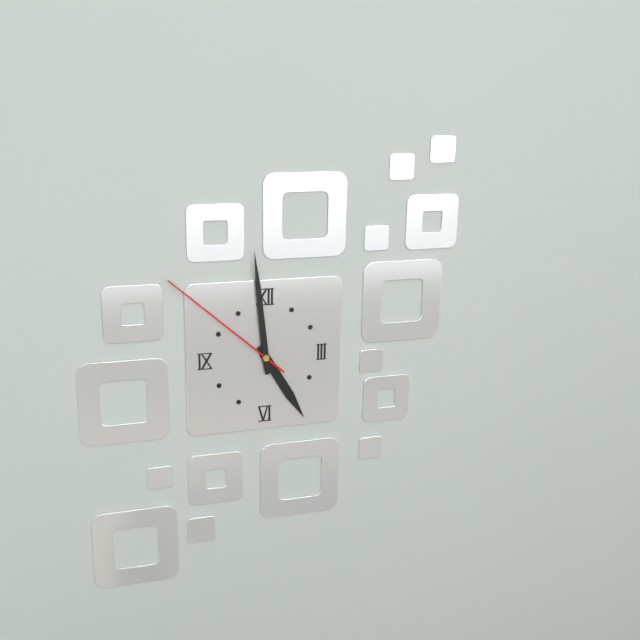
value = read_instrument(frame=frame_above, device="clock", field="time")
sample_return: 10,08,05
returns 4,59,52
